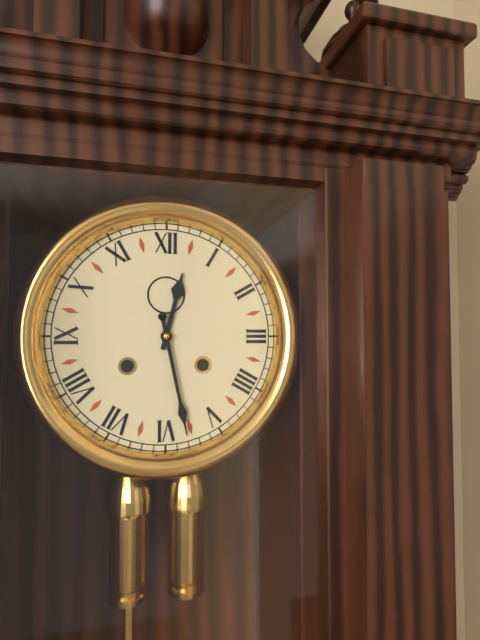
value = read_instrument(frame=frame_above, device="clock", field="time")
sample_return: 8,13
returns 12,28
